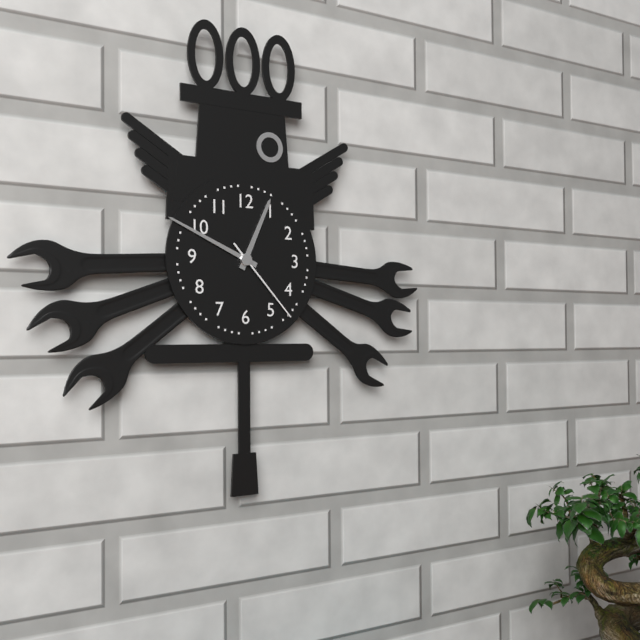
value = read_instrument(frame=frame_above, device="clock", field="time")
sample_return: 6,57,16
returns 12,49,23
